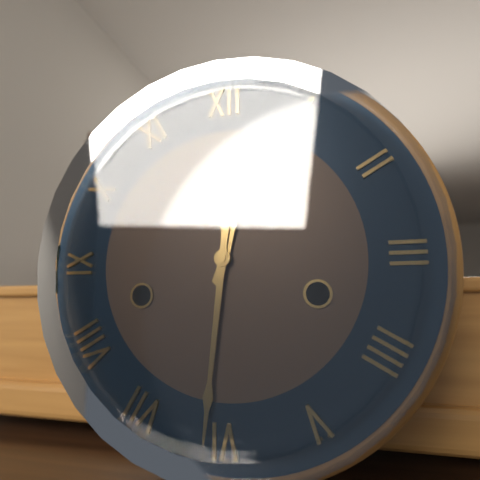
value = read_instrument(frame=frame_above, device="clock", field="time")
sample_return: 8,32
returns 12,31
